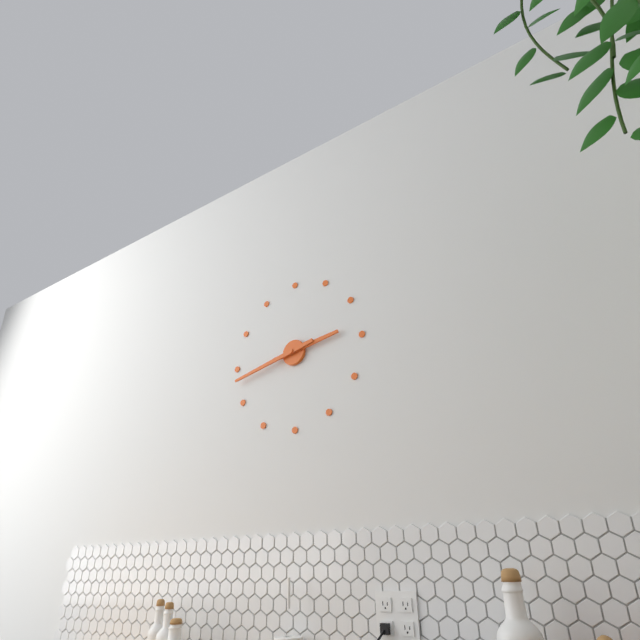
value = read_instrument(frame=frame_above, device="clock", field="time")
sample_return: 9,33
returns 2,43
